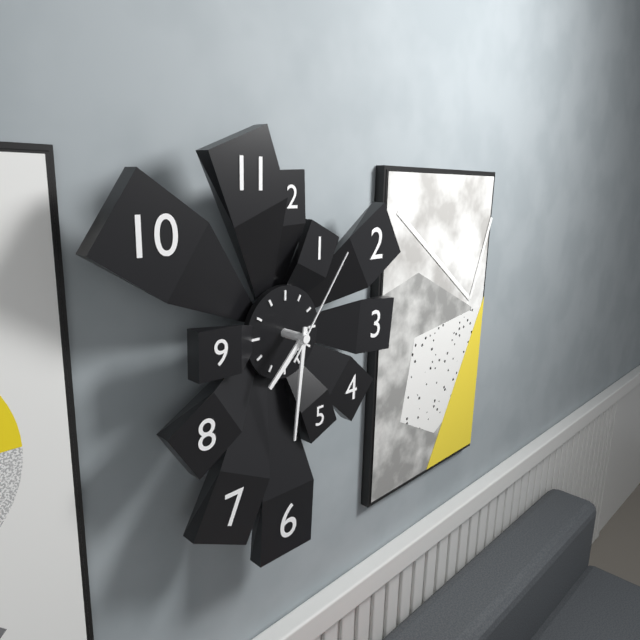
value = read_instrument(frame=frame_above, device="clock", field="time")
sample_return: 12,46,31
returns 7,31,06
